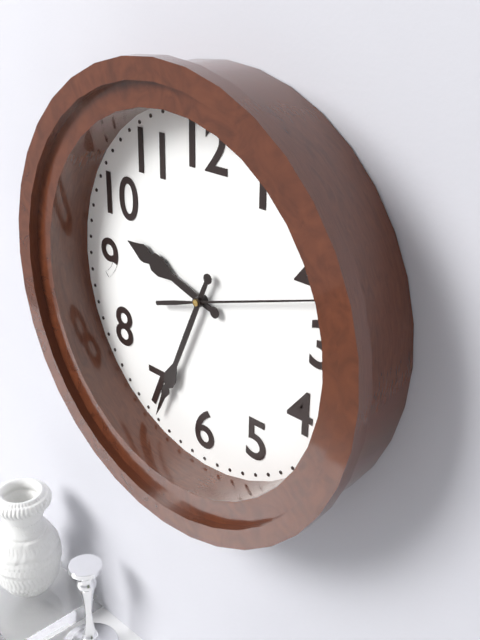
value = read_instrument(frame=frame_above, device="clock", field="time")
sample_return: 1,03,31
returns 9,34,12
